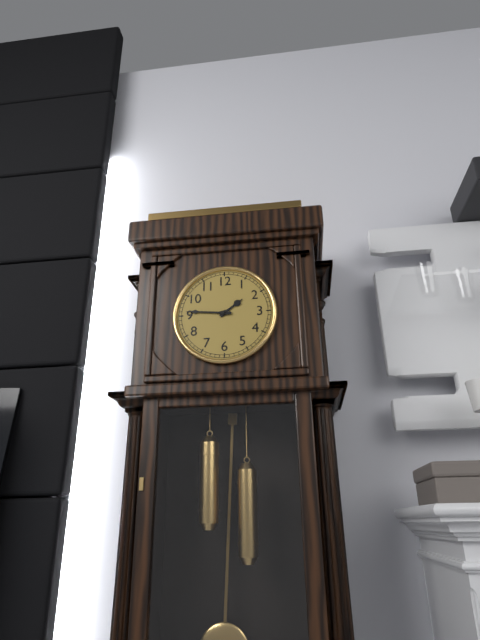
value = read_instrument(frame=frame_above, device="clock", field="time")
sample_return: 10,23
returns 1,46
